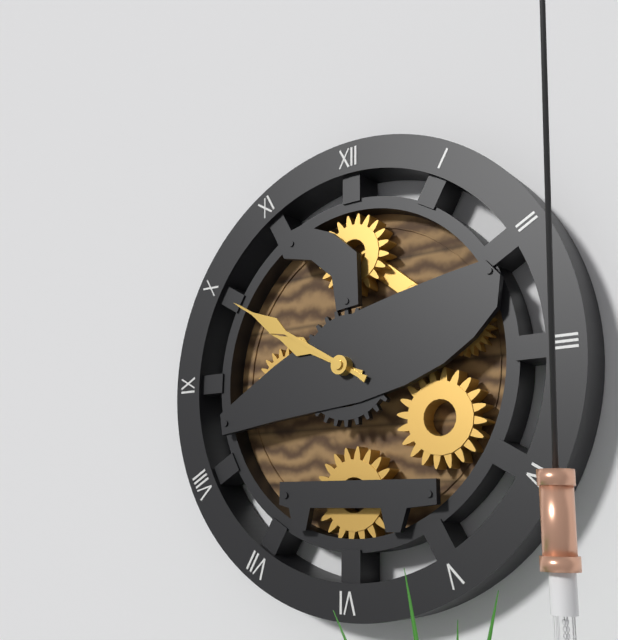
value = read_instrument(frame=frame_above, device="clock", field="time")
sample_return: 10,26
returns 9,50
